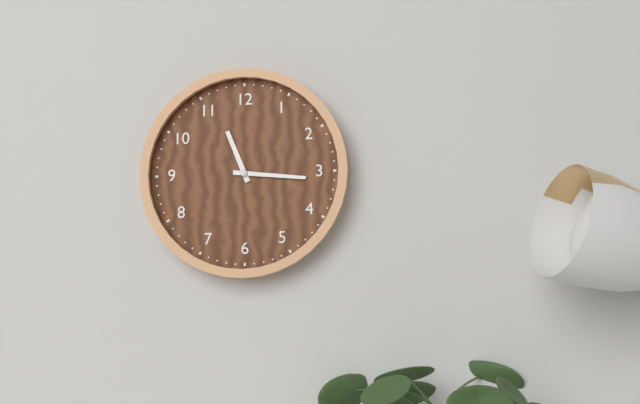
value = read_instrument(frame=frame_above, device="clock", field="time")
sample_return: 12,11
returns 11,16
